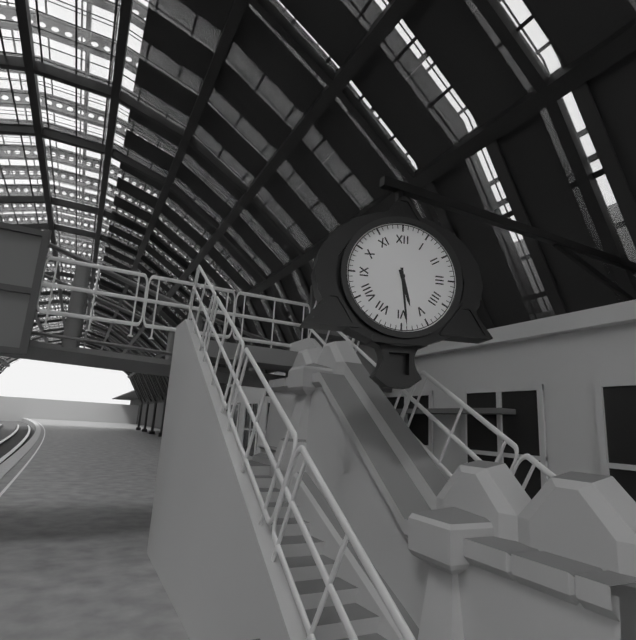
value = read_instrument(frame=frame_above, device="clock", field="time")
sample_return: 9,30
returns 5,29
